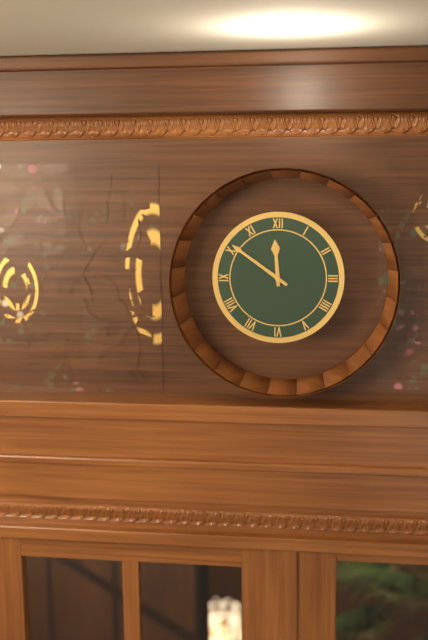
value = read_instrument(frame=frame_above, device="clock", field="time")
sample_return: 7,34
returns 11,51
